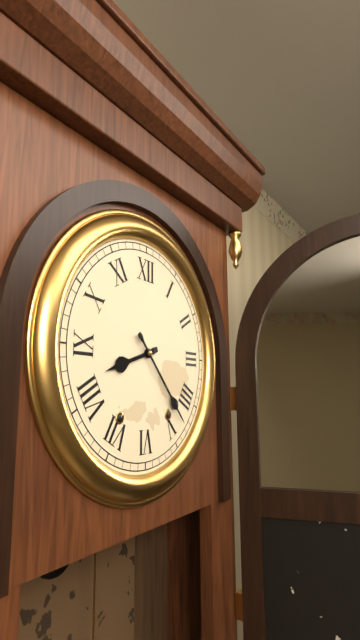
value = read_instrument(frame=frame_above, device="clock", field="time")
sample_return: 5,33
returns 8,23
